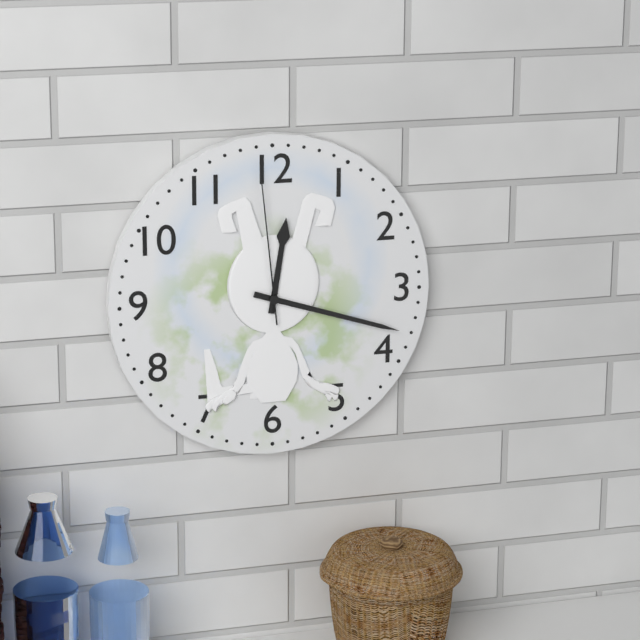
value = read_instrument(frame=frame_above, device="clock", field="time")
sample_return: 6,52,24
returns 12,18,59
